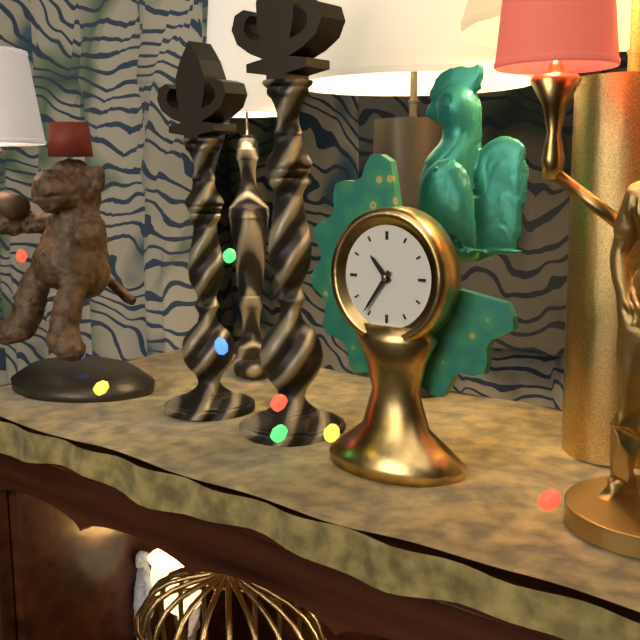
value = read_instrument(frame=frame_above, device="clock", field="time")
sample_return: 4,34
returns 10,36
